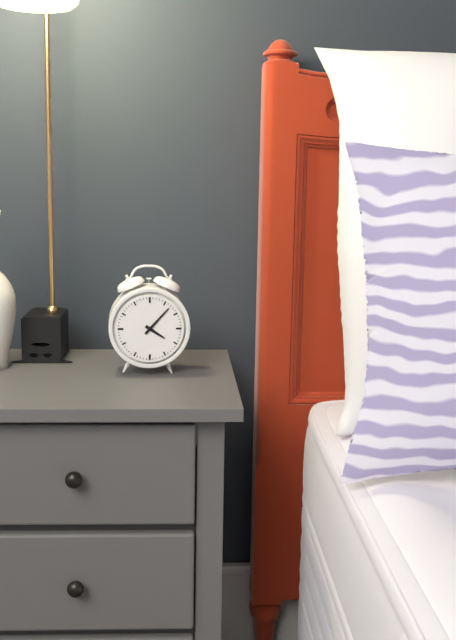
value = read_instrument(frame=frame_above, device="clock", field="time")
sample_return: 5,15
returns 4,07
